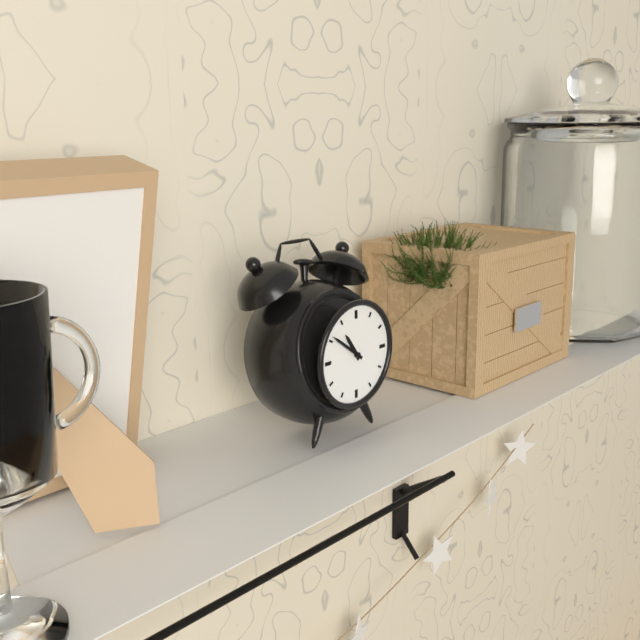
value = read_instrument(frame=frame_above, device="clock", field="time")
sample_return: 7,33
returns 10,51
